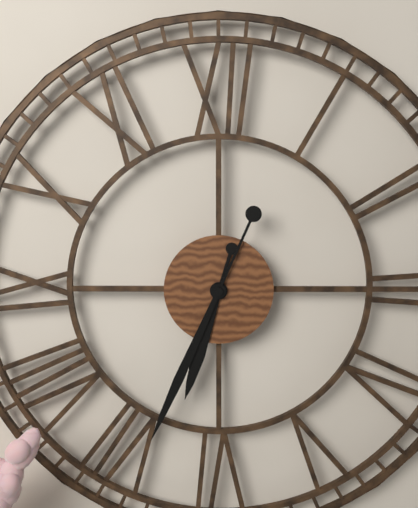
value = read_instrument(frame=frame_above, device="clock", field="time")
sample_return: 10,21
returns 6,34
